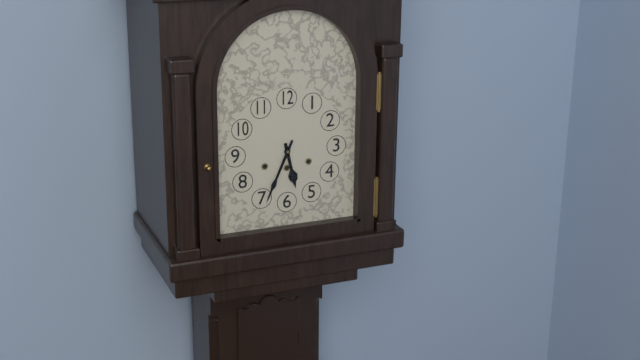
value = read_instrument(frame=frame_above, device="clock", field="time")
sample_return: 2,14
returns 5,34
